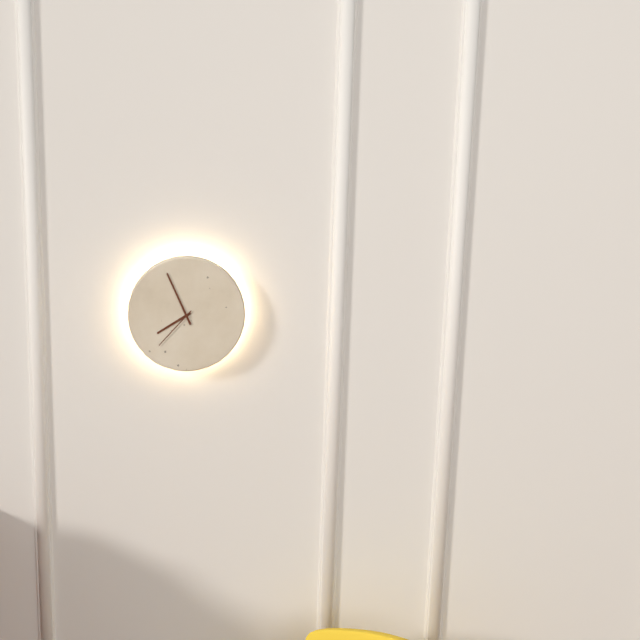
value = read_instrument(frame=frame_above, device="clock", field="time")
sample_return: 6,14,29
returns 7,56,37
